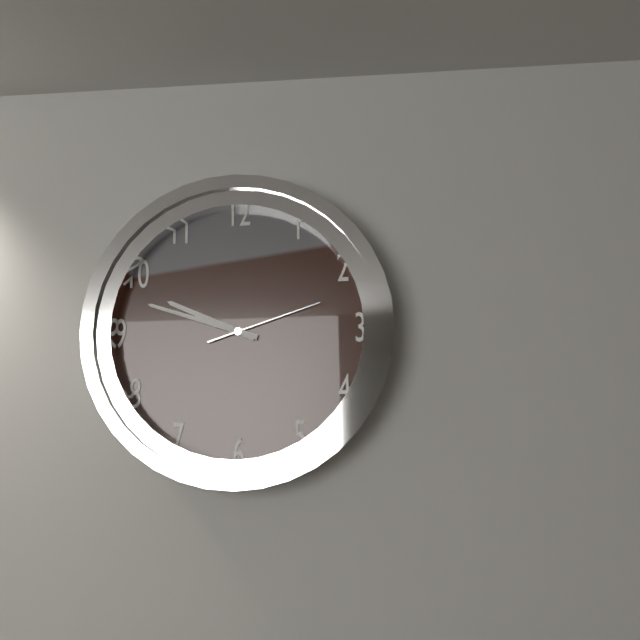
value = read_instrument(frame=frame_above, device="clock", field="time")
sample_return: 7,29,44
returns 9,48,12
